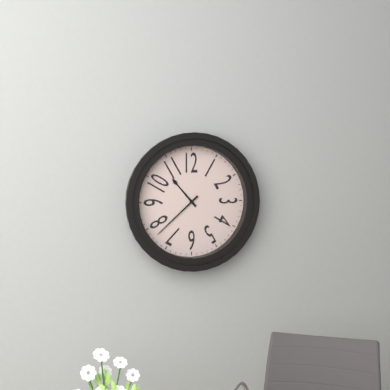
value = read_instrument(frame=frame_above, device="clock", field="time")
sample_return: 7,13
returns 10,38
